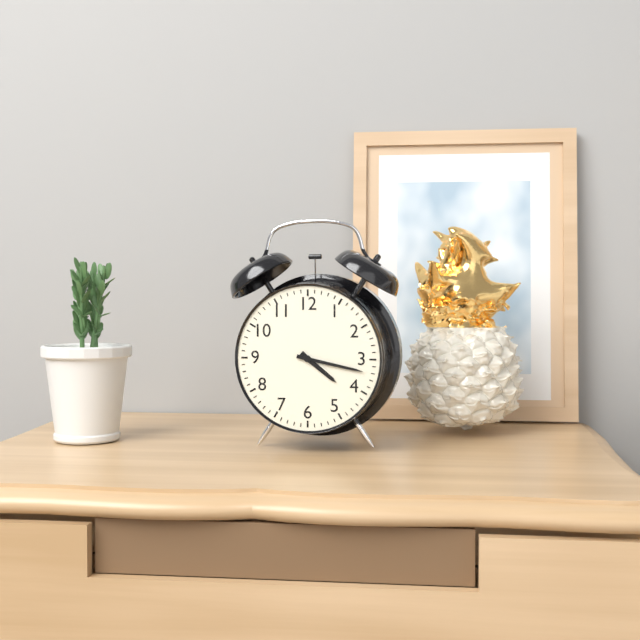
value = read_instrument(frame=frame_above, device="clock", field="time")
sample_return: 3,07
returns 4,17
